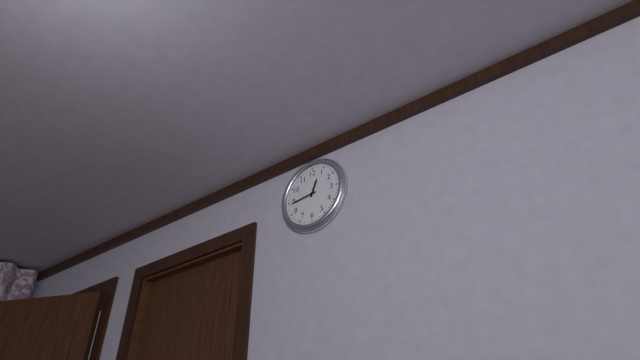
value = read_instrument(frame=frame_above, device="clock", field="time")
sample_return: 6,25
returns 12,44
